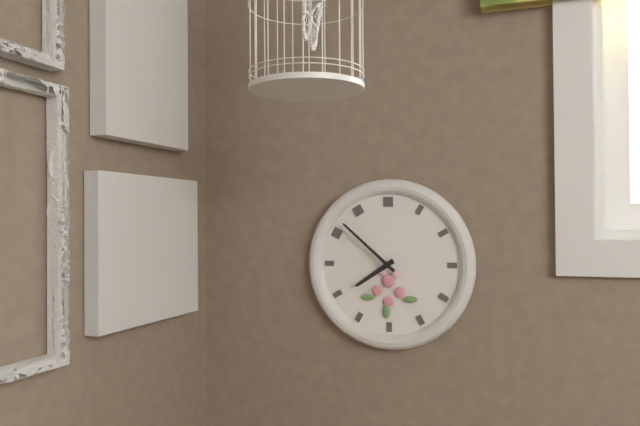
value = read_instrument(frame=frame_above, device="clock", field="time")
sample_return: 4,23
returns 7,52
